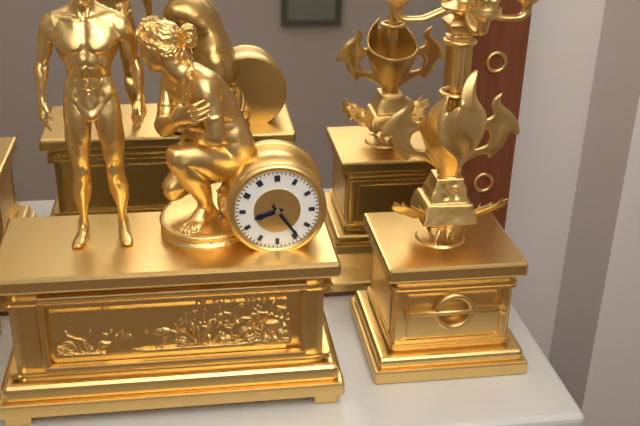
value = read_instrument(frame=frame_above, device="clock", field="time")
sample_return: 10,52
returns 8,24
